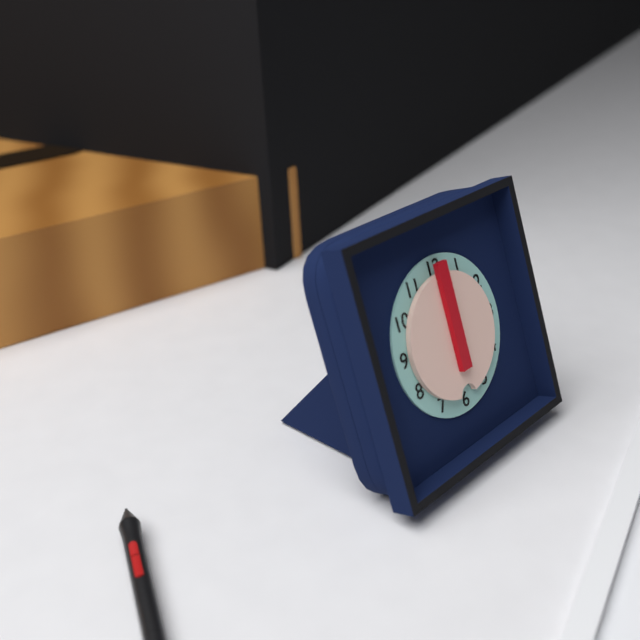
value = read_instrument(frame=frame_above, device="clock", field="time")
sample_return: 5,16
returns 6,00
